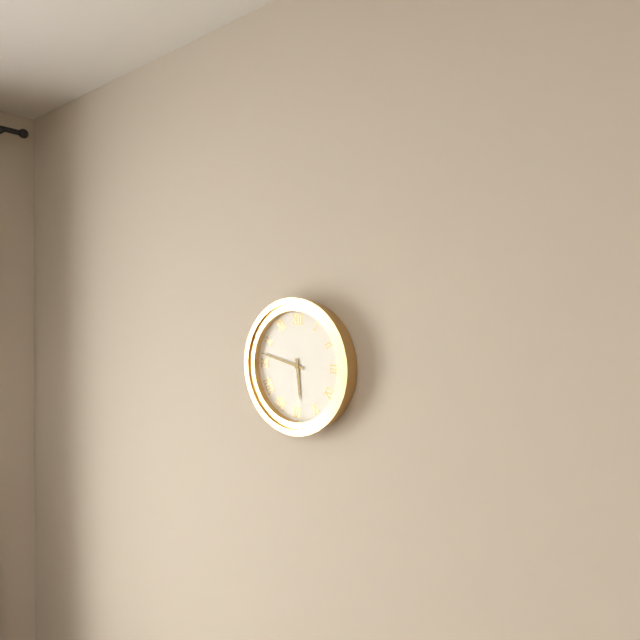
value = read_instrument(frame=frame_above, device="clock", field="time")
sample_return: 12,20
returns 5,47
